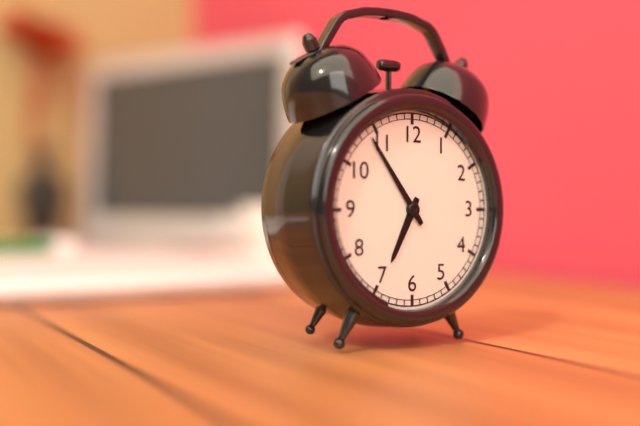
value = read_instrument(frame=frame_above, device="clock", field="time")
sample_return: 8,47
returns 6,54
